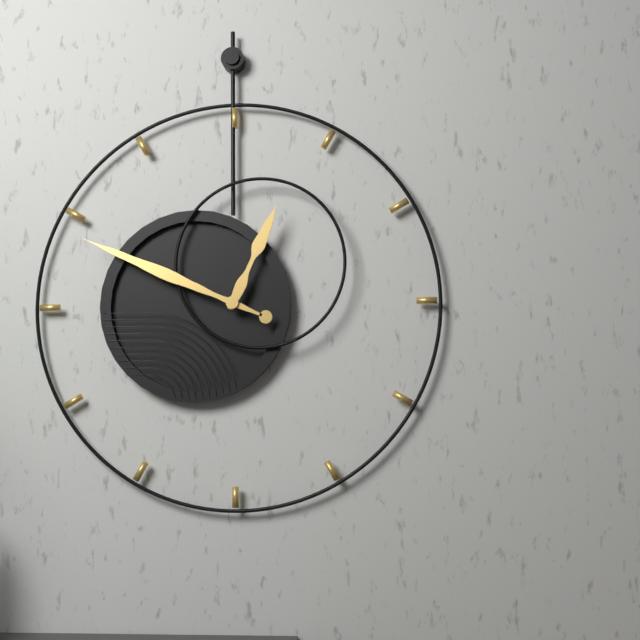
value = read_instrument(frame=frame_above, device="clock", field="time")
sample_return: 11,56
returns 12,49
